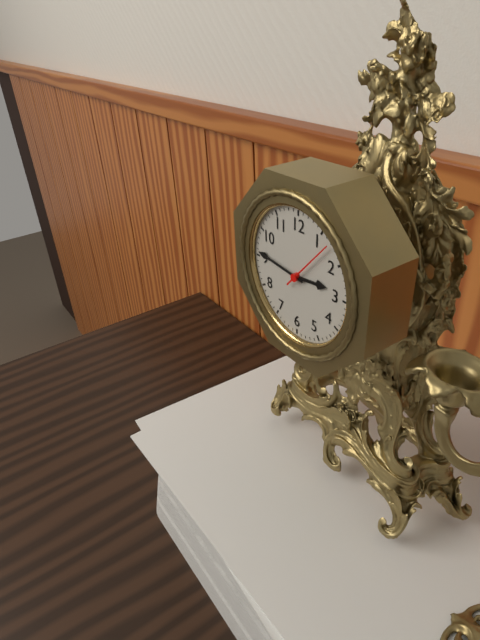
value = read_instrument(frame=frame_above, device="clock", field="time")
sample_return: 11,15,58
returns 2,46,07
